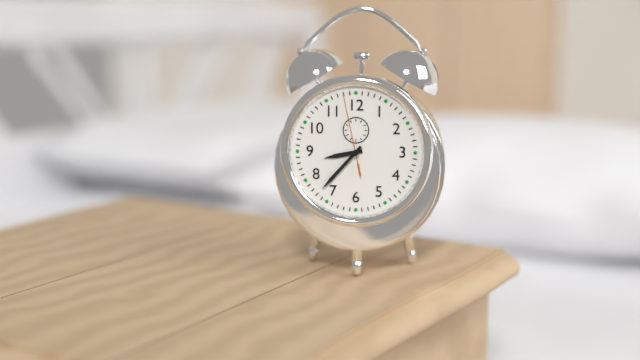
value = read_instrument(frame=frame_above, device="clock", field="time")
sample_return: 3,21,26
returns 8,37,58
